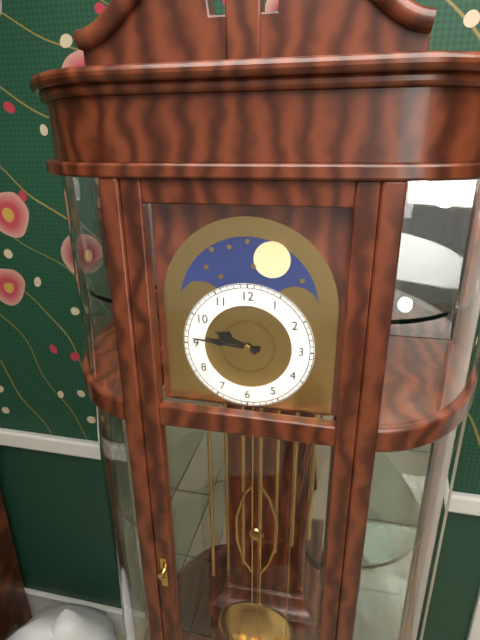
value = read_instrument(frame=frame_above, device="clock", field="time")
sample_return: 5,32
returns 9,46
